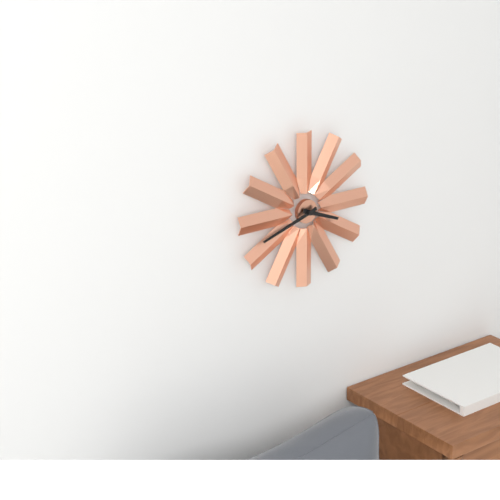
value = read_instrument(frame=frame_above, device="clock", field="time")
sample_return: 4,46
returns 3,42
